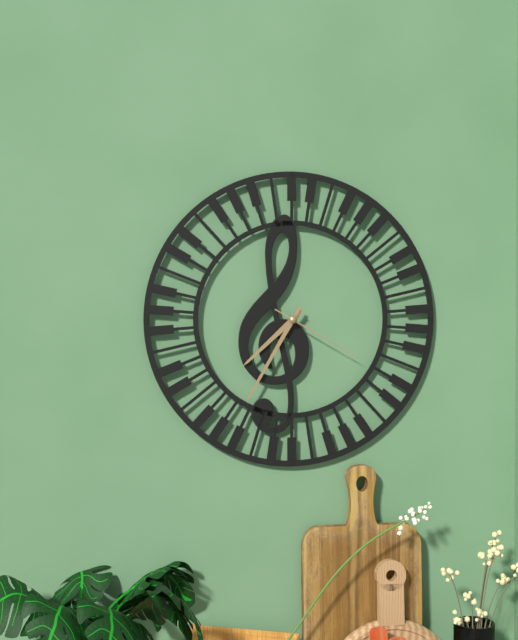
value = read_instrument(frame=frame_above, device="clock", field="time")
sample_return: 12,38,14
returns 7,35,20
